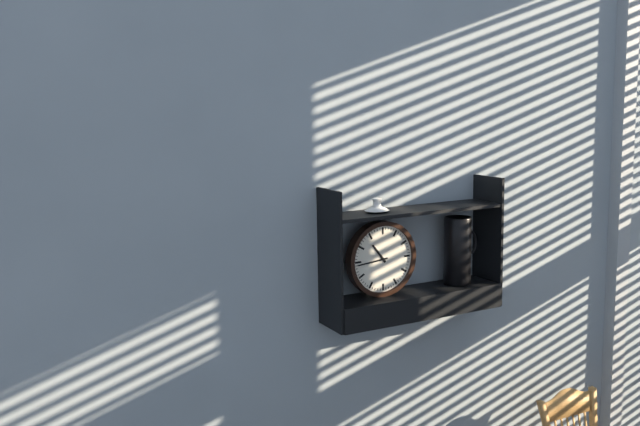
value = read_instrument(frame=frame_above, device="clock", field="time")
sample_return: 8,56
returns 10,44
